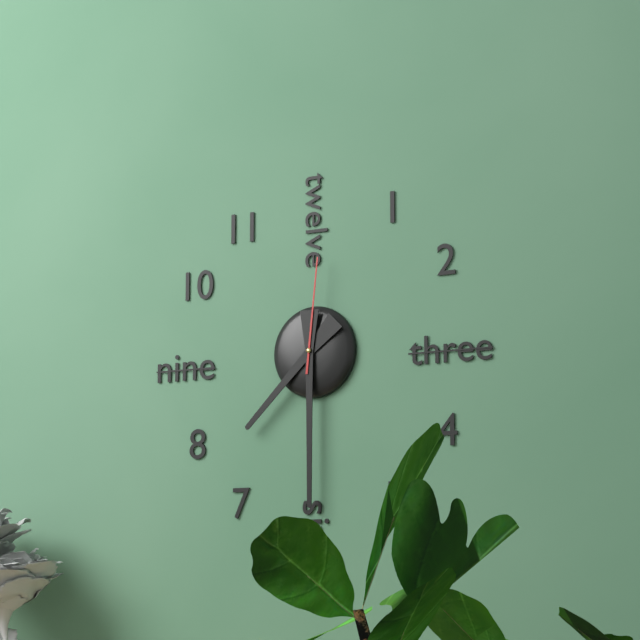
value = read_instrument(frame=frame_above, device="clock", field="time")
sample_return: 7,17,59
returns 7,30,01
